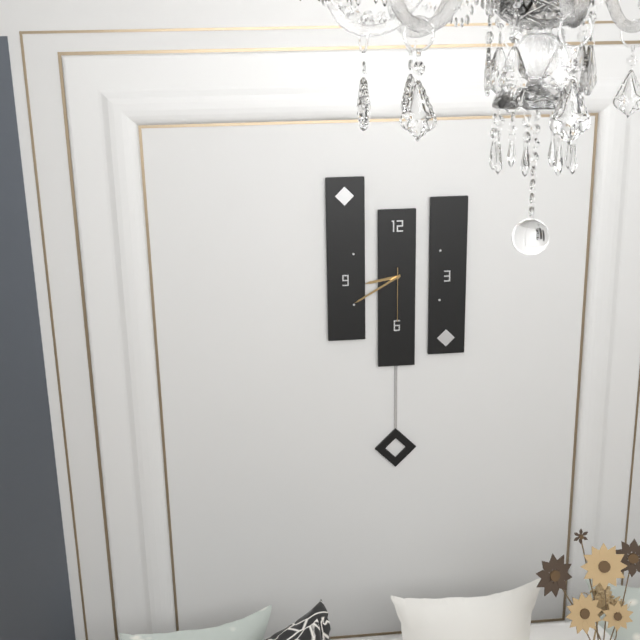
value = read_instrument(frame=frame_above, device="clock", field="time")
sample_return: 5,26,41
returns 8,40,30
